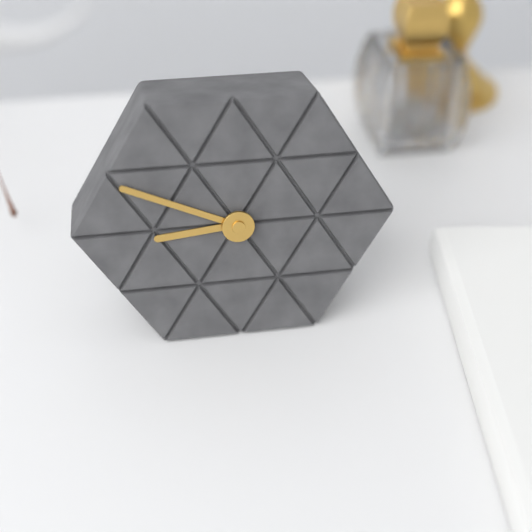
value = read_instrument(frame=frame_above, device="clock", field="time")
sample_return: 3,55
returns 8,49
